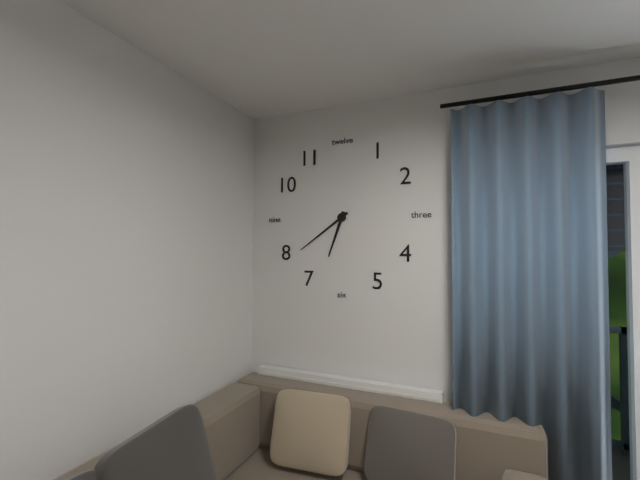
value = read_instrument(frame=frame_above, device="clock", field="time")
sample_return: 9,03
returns 6,39
